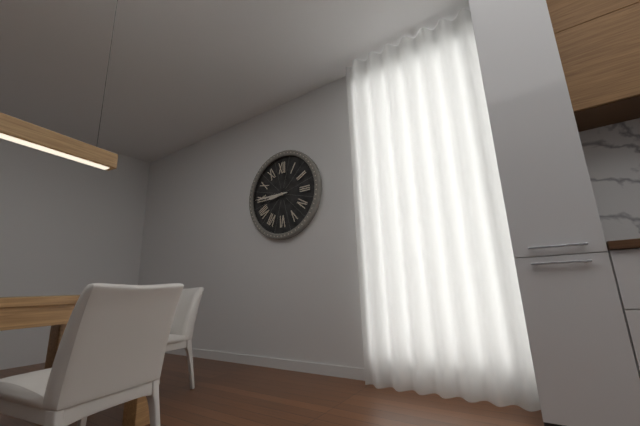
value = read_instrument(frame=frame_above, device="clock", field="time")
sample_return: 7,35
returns 8,45
